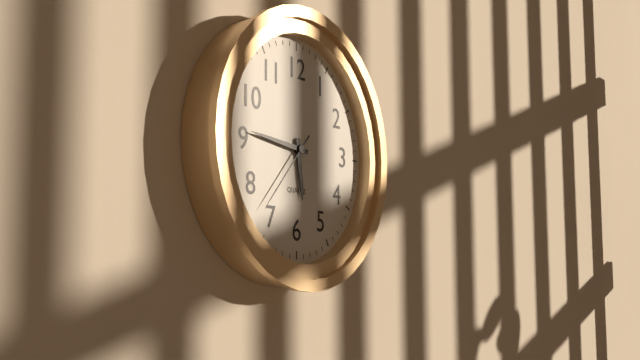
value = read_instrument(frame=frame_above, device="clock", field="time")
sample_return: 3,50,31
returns 5,46,37
